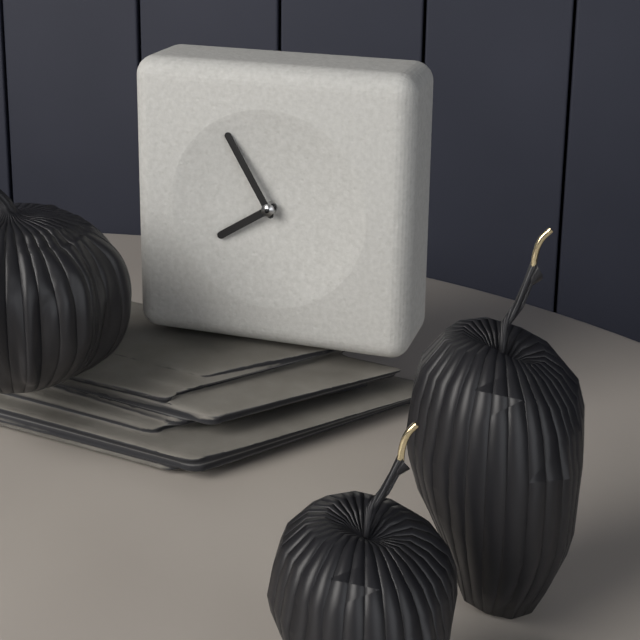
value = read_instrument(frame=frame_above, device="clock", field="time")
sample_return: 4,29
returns 7,55
